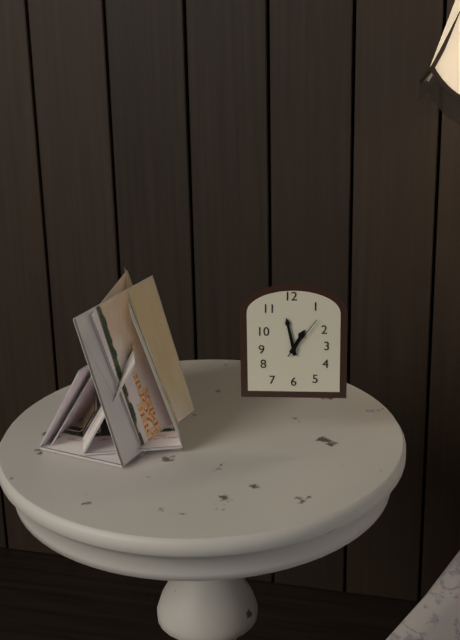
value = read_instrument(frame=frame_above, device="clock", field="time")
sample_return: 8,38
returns 12,58
